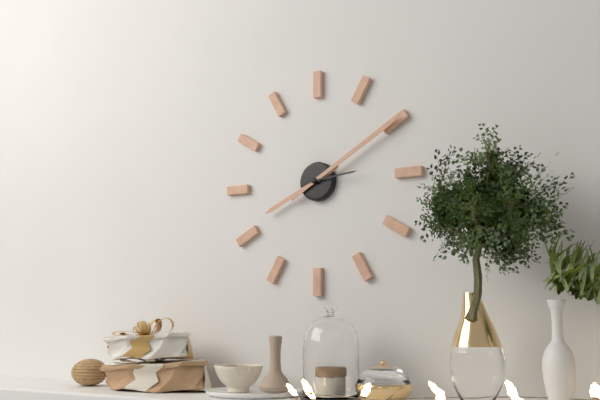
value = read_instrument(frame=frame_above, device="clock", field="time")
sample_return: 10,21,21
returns 8,10,14
